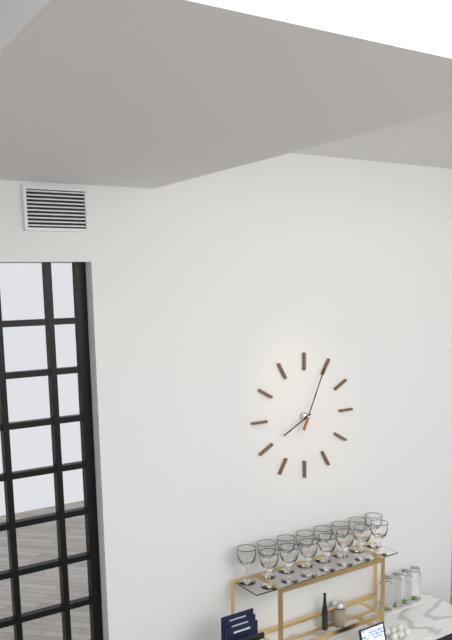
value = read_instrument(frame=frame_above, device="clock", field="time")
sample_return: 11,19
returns 8,04
